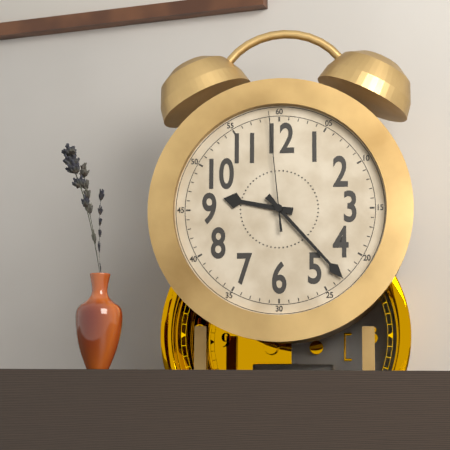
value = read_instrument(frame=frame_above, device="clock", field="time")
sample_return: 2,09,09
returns 9,23,59
